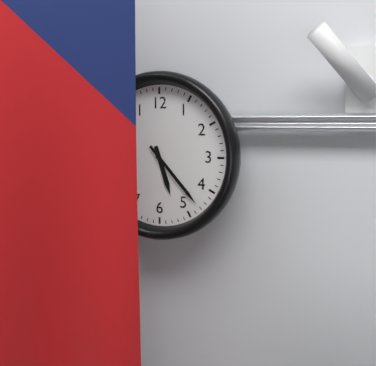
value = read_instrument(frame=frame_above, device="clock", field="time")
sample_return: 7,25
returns 5,23
